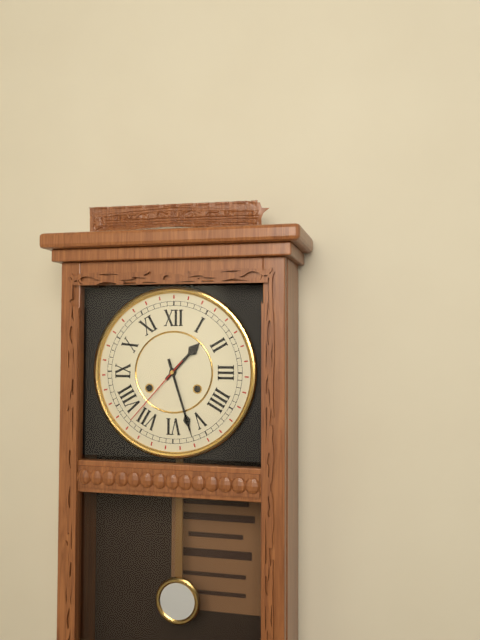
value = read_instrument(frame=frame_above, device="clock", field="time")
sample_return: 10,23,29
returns 1,27,37
